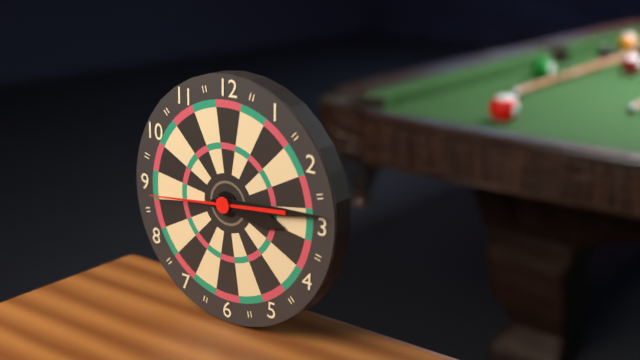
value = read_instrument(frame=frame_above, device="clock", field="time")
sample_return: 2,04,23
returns 3,14,44
